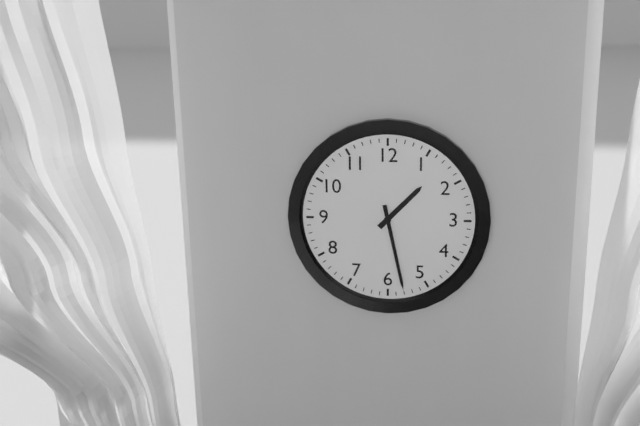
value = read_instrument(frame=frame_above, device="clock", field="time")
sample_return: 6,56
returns 1,28
